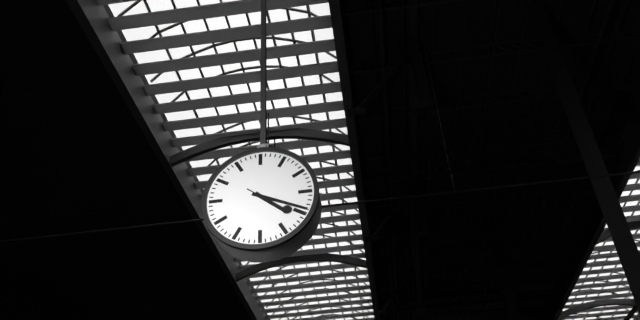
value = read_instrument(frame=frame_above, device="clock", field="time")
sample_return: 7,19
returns 4,19
